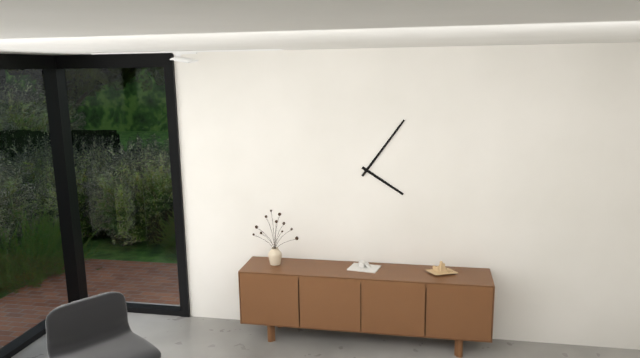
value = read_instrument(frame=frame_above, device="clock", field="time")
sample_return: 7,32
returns 4,06
